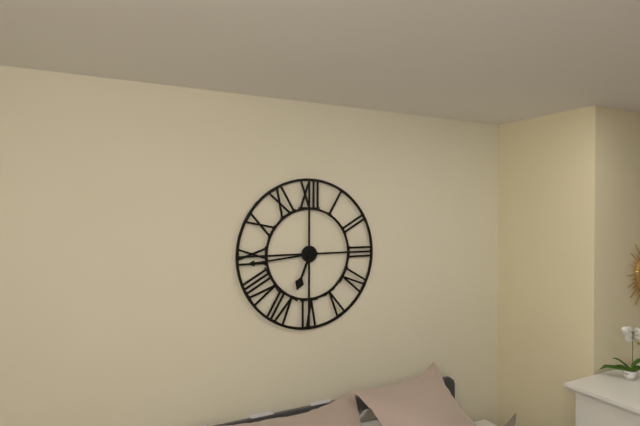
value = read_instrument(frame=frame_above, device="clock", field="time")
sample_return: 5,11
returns 6,44
